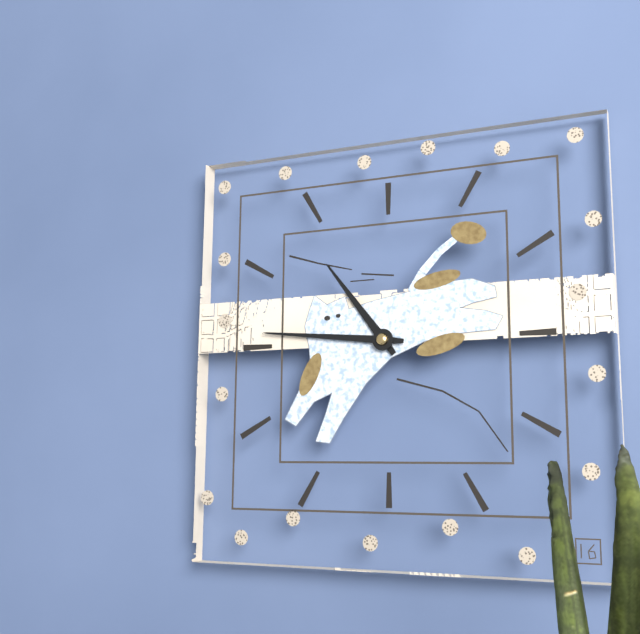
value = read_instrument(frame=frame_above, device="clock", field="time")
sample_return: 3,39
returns 10,46
